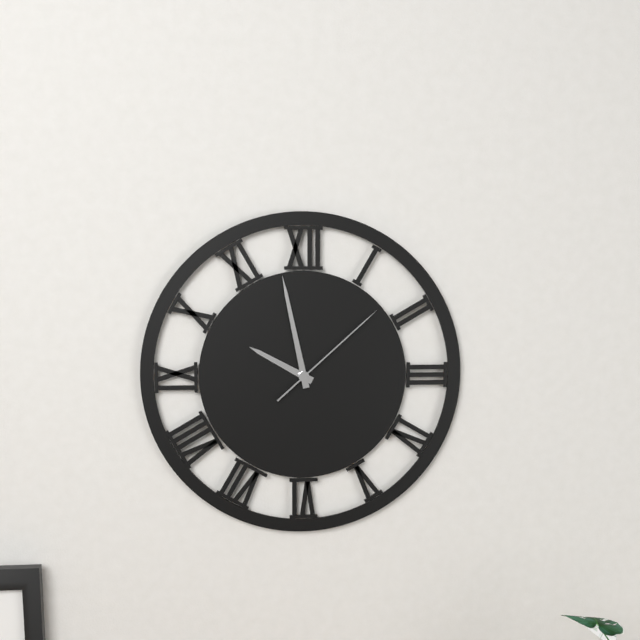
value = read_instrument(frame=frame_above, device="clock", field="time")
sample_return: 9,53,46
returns 9,58,08
